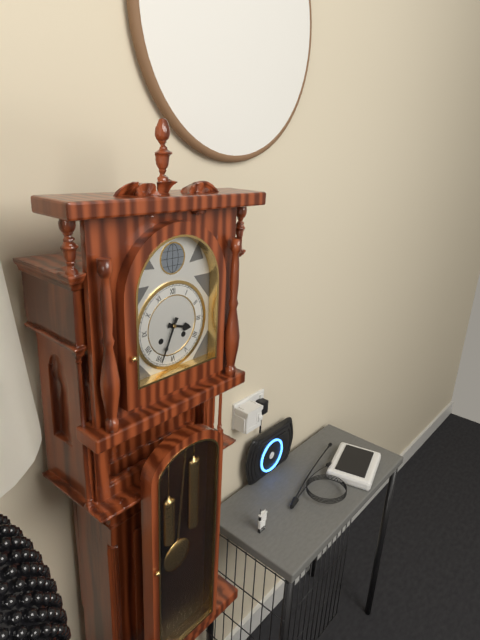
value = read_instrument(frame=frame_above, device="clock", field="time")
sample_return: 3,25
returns 3,34
